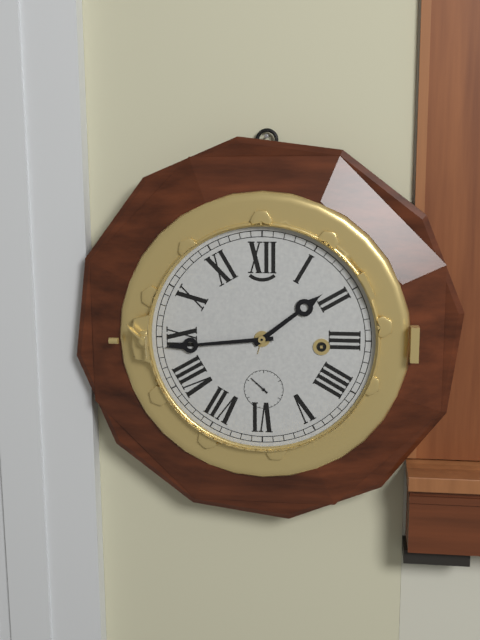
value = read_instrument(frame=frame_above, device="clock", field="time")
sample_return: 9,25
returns 1,44
